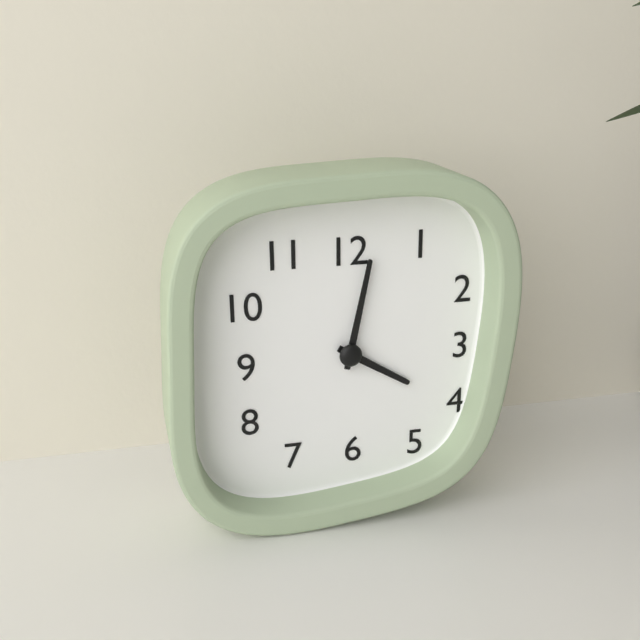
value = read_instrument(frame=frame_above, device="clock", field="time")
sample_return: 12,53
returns 4,02
